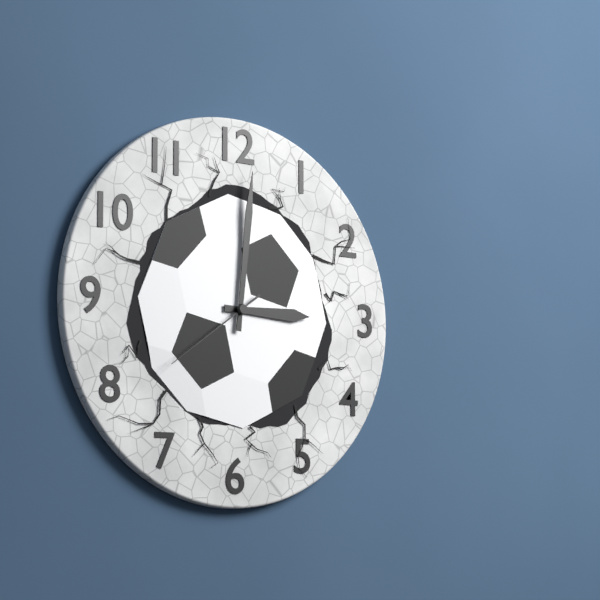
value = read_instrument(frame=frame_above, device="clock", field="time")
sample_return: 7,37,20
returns 3,01,39
